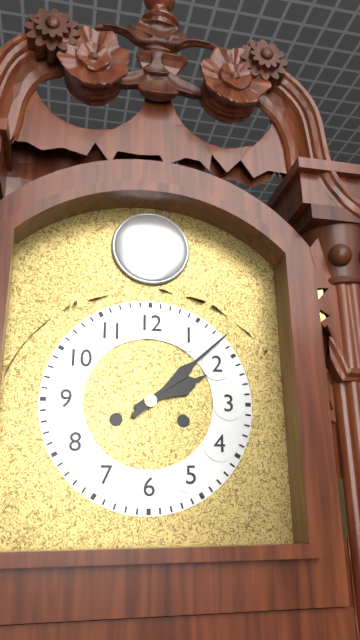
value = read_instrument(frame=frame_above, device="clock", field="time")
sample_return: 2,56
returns 2,08
